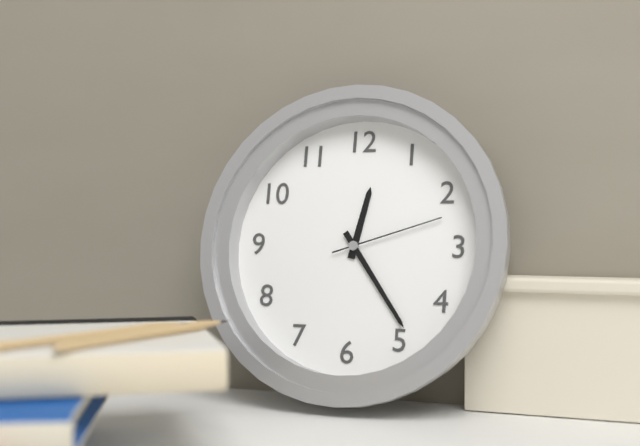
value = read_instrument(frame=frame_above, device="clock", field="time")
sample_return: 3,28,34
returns 12,24,12
